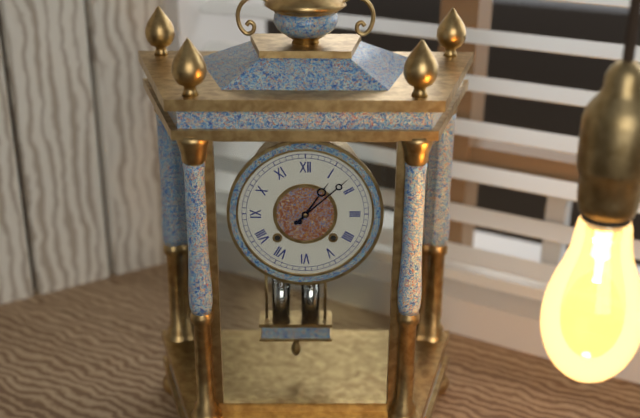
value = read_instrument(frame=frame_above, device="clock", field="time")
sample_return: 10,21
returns 1,08
